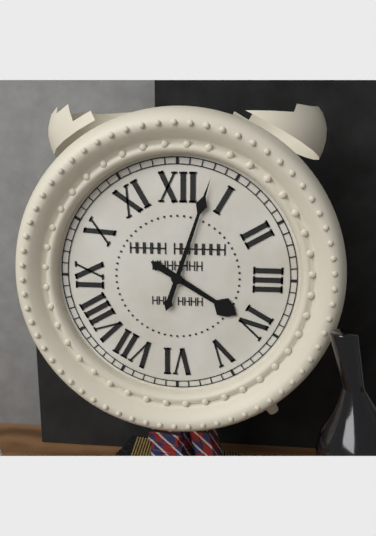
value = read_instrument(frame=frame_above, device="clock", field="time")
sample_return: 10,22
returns 4,03
